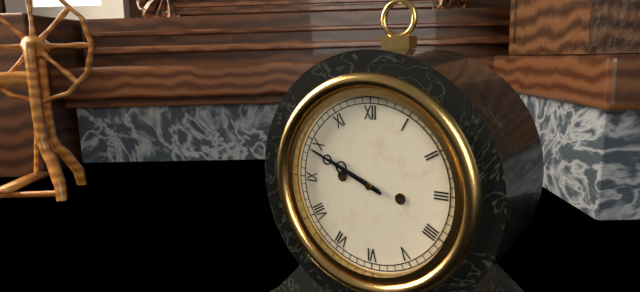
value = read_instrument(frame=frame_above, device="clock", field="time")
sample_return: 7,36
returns 9,49
